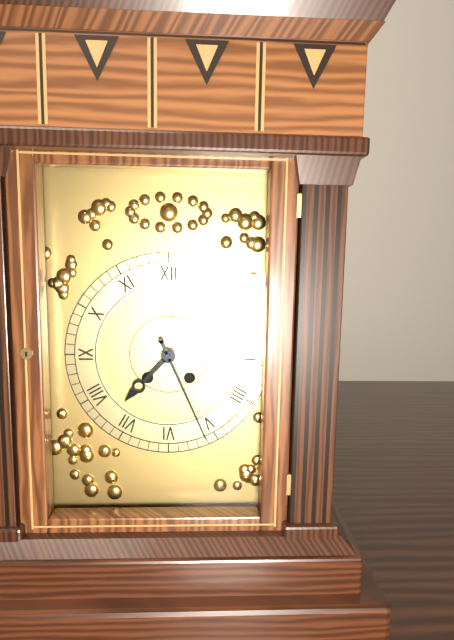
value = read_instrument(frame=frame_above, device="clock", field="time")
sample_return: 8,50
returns 7,26
